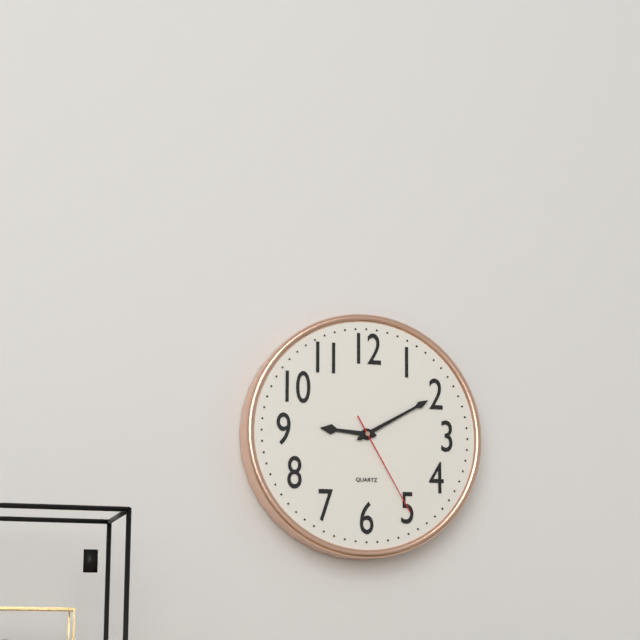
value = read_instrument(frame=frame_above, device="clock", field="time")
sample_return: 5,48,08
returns 9,10,25
